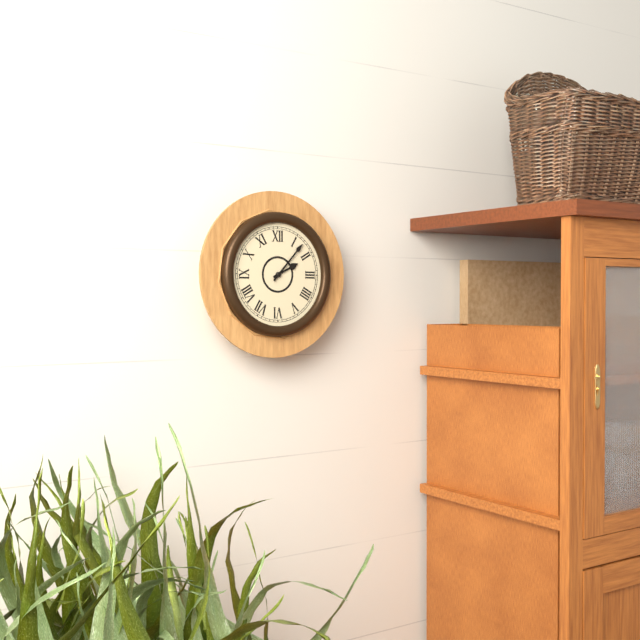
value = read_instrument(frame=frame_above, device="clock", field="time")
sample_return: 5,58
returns 2,07
